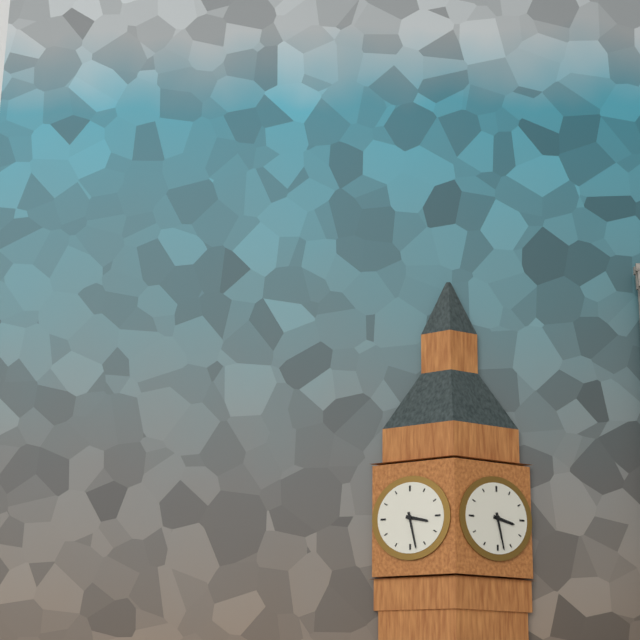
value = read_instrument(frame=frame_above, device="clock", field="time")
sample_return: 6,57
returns 3,28
